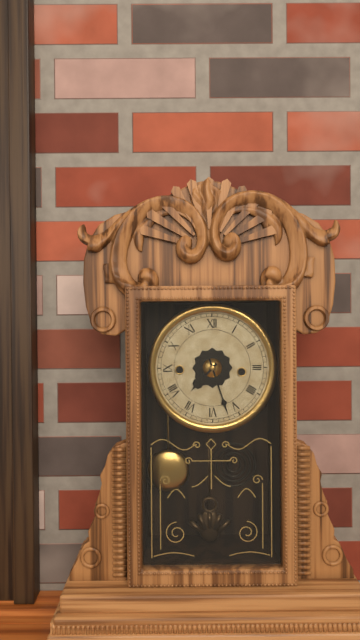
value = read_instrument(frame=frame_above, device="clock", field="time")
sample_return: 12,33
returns 7,27
